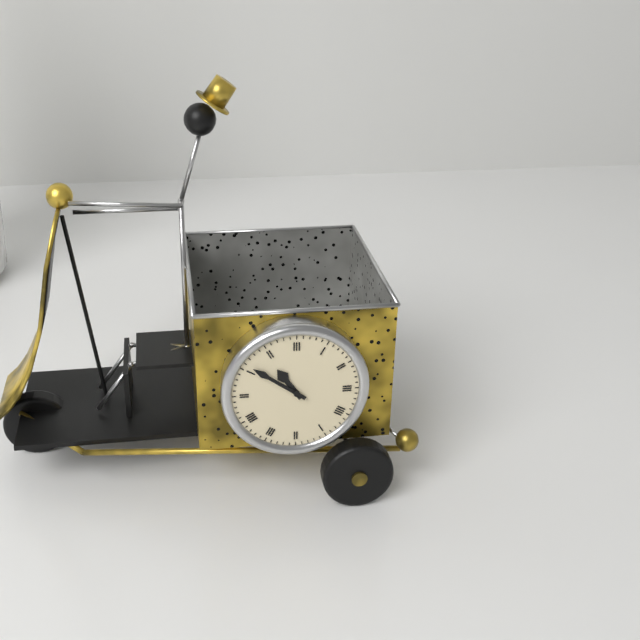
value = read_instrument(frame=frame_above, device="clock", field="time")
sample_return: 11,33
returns 10,51
